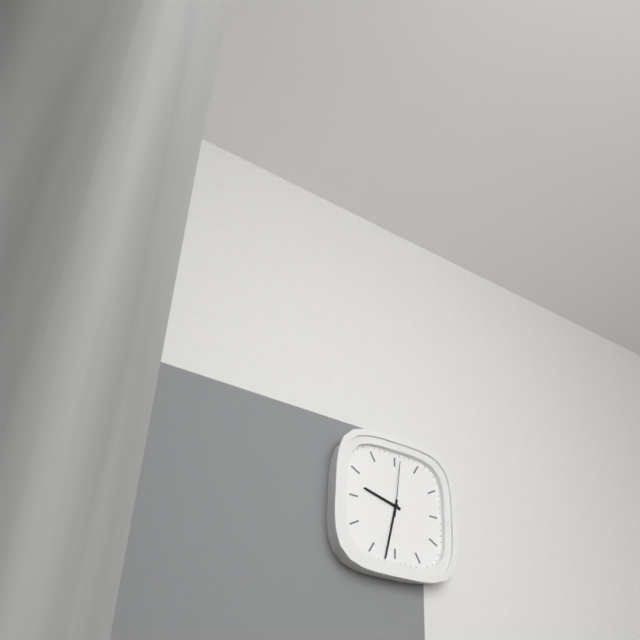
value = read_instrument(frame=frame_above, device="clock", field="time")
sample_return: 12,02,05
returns 9,32,01
